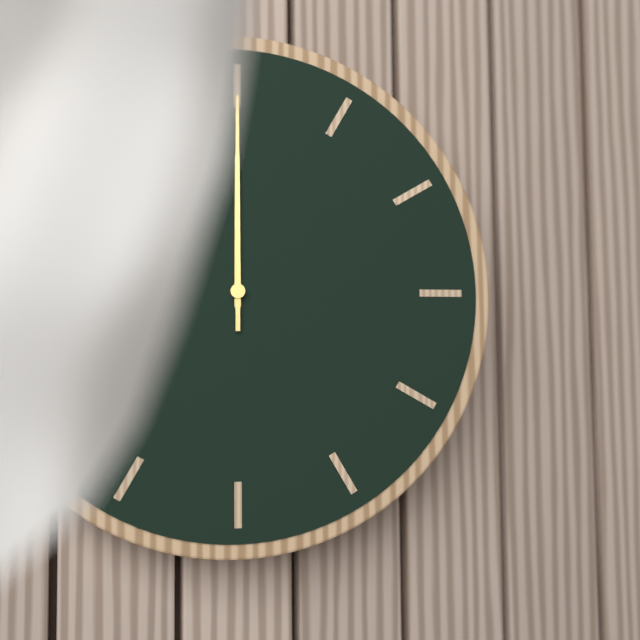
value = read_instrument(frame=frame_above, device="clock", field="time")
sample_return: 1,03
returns 12,00
